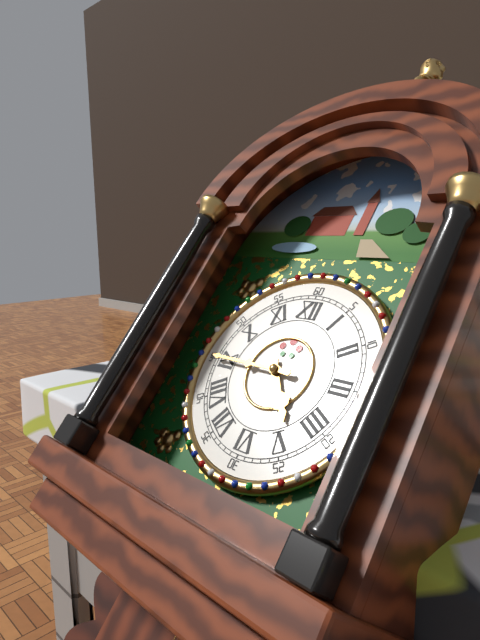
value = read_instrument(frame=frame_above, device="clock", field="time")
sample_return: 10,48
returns 4,45
